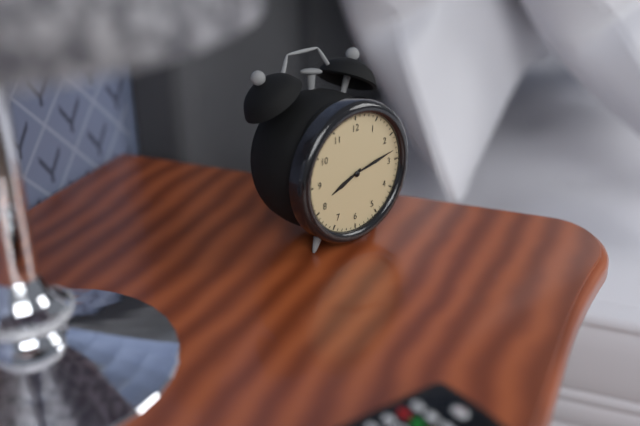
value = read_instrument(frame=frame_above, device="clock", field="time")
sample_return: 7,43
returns 8,13
